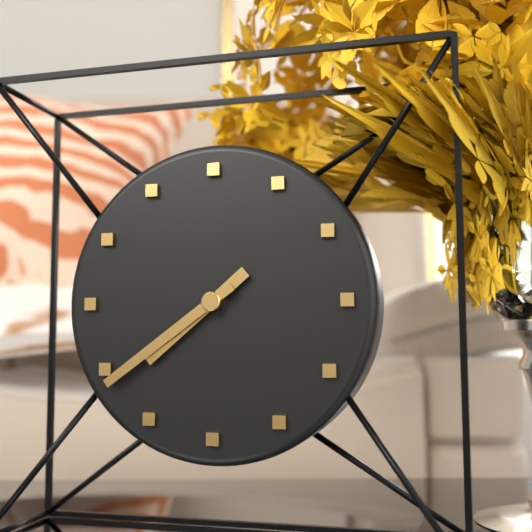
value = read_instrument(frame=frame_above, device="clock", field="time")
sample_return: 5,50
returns 7,39
